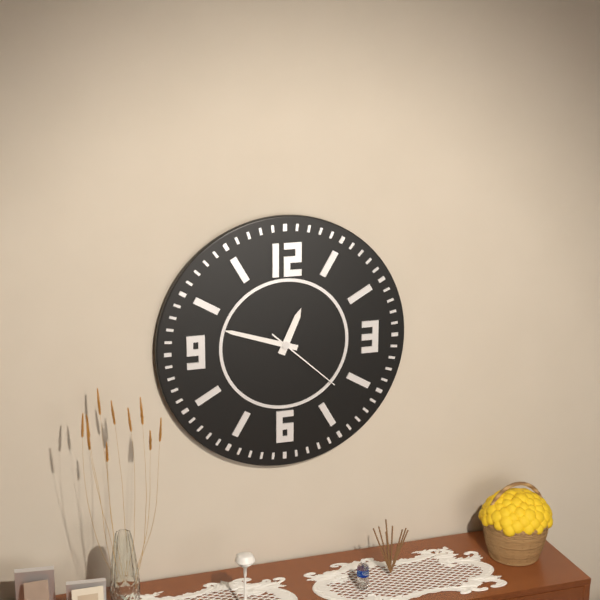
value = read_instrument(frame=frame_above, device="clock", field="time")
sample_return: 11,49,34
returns 12,48,22
